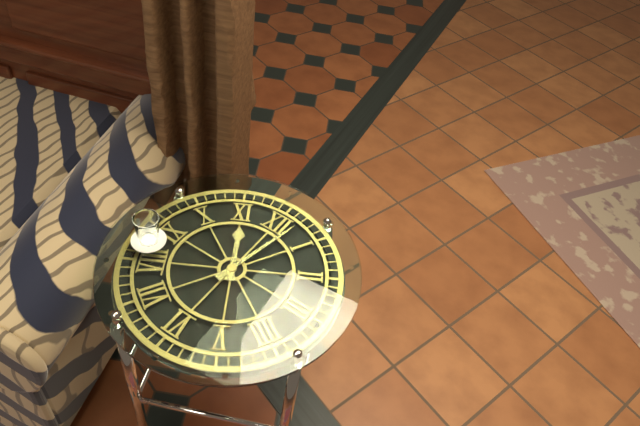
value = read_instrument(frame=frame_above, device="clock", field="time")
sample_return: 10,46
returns 11,02
